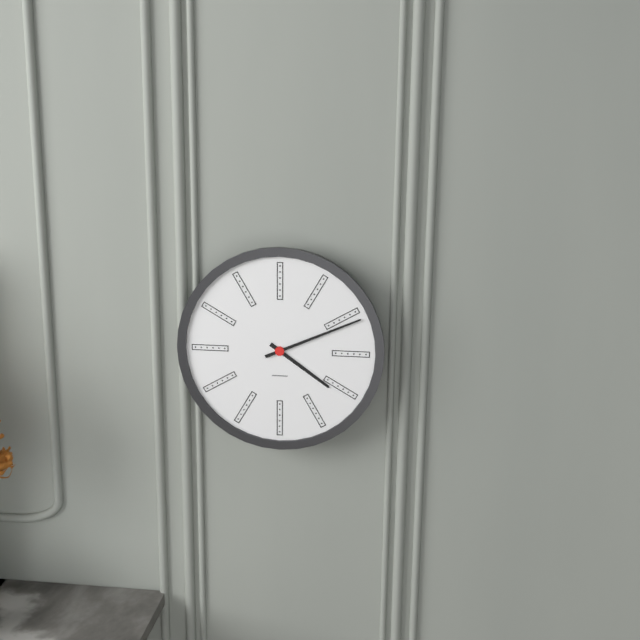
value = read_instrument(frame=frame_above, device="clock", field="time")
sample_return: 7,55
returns 4,11
